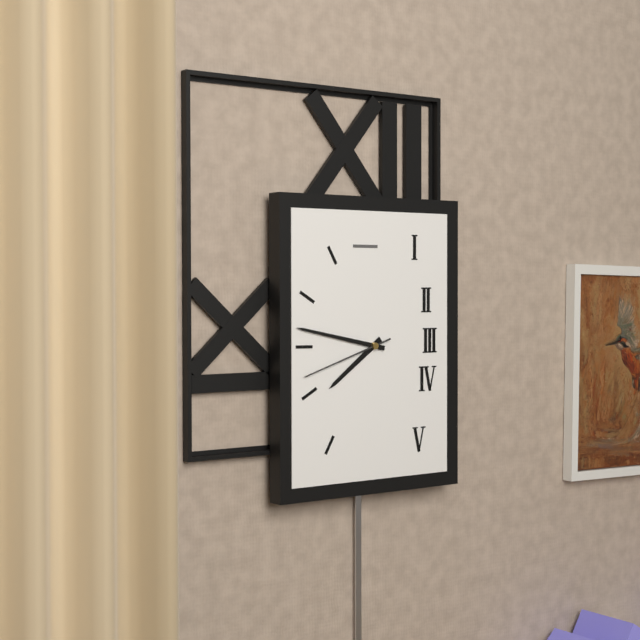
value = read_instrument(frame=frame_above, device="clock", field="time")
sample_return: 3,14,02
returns 7,47,42
